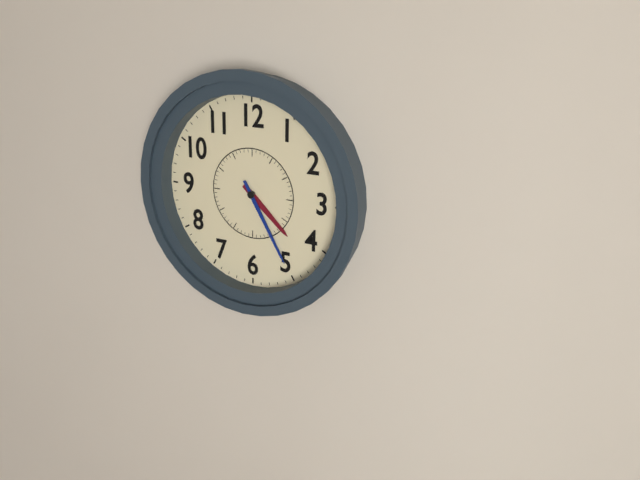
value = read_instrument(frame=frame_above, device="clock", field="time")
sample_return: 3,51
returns 4,25
